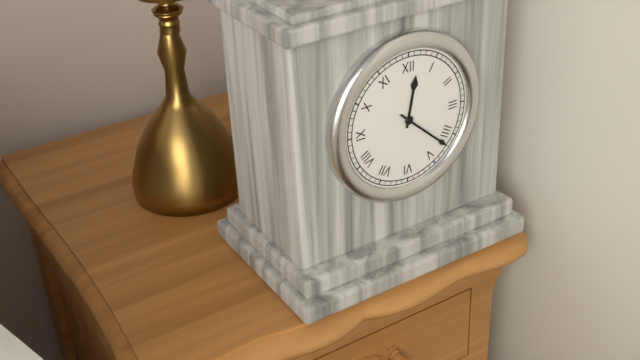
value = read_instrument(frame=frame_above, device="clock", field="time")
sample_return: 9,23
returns 12,22
